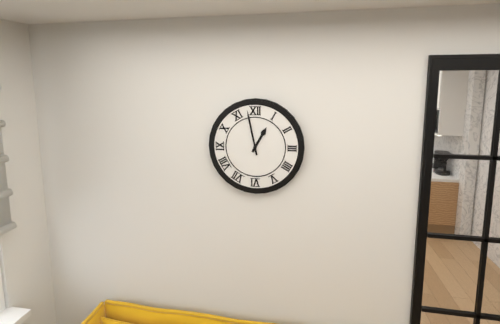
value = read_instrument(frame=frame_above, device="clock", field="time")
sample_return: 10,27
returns 12,58
